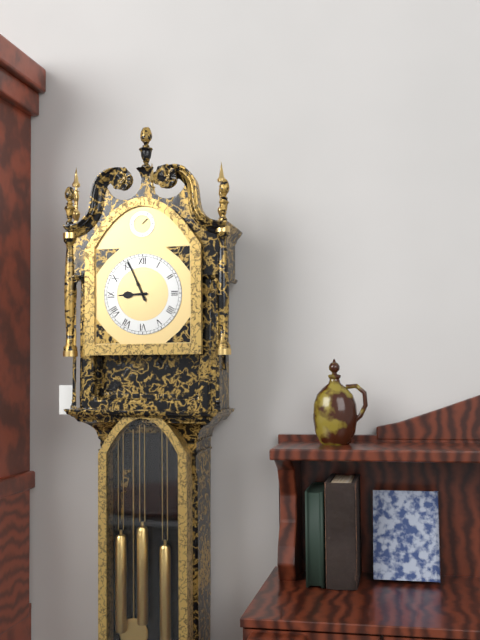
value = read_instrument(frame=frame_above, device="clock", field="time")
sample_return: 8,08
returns 8,56
